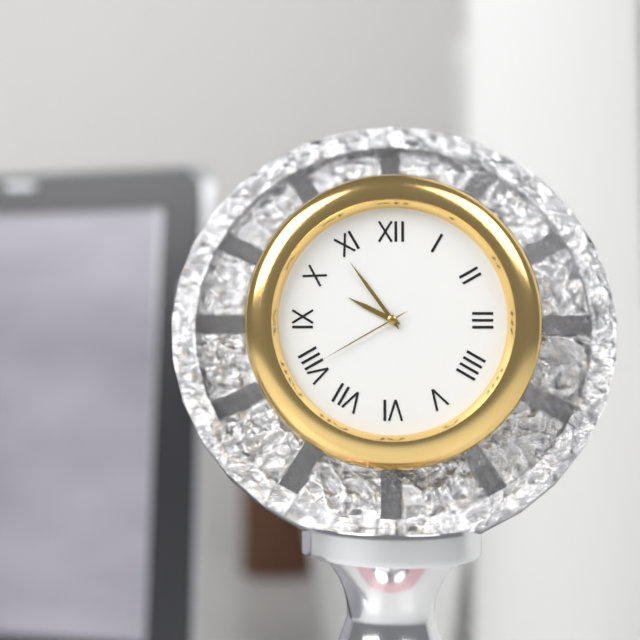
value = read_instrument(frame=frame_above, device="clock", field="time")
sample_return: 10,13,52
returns 9,54,40
